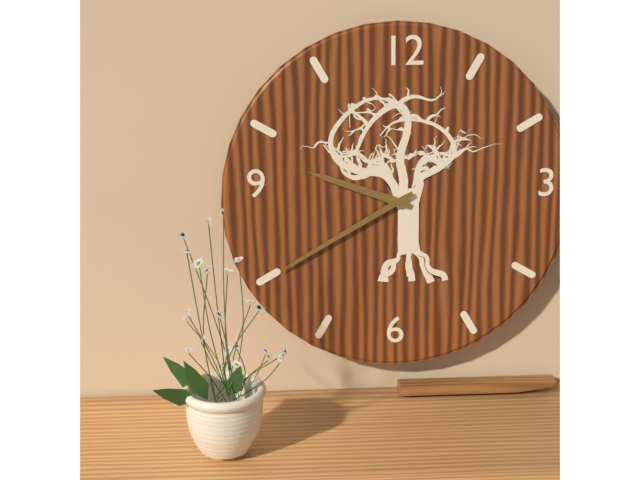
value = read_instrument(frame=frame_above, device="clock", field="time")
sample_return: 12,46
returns 9,40
